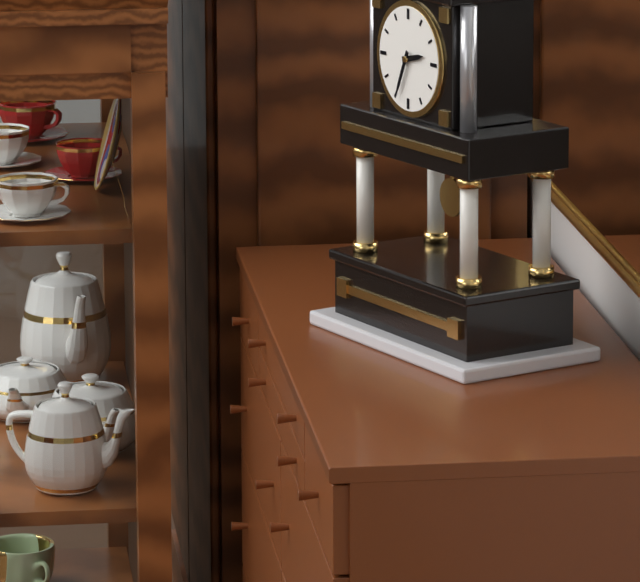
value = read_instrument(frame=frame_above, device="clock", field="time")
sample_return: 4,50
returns 2,34
